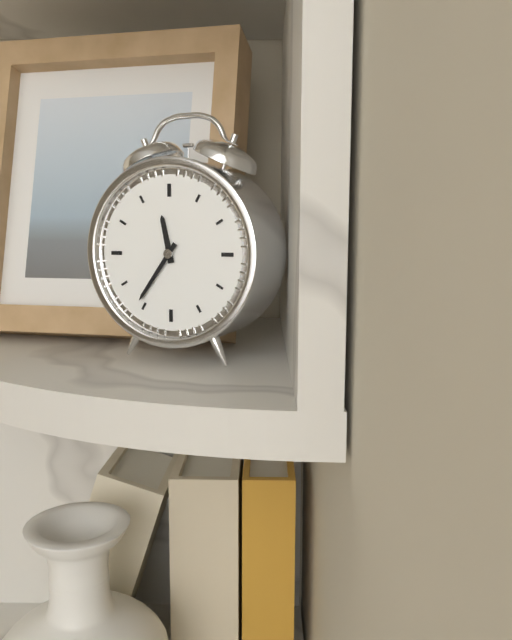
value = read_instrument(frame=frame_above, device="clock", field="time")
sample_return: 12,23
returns 11,36
